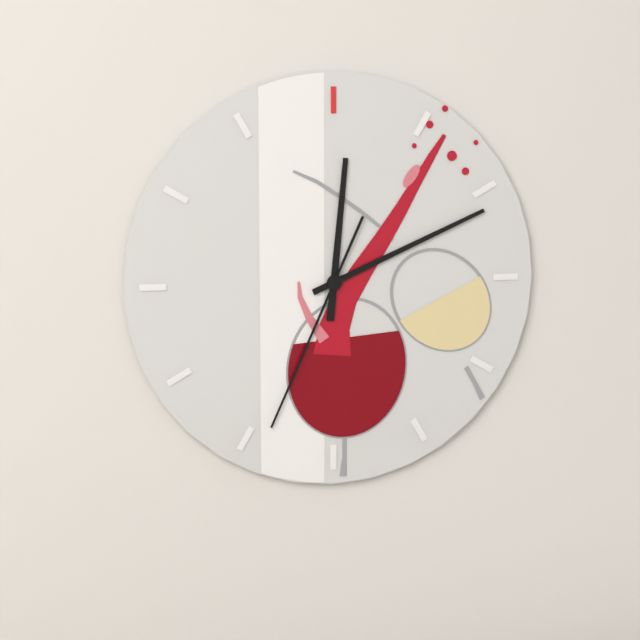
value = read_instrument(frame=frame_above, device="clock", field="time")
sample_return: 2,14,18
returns 12,11,34
